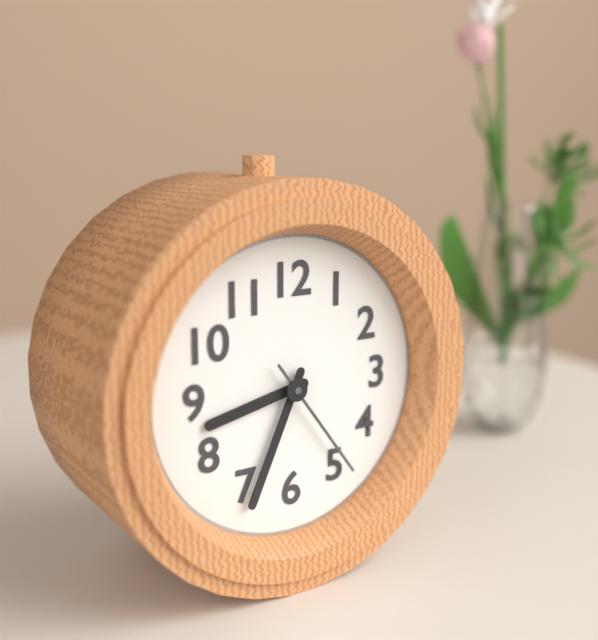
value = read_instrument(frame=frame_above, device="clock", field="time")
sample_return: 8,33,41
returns 8,34,24
